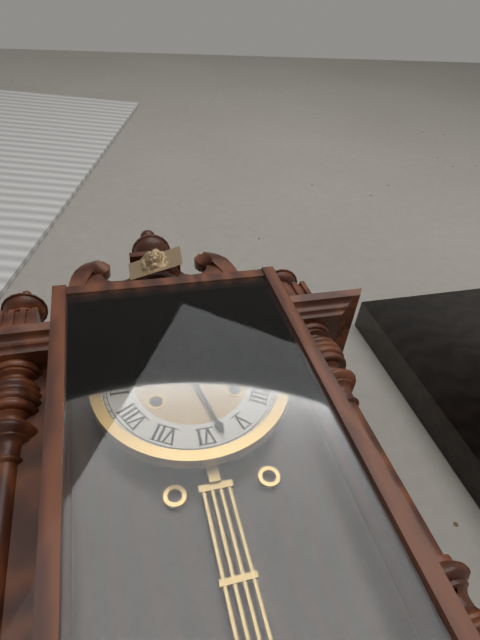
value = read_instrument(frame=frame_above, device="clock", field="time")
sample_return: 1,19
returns 11,28
